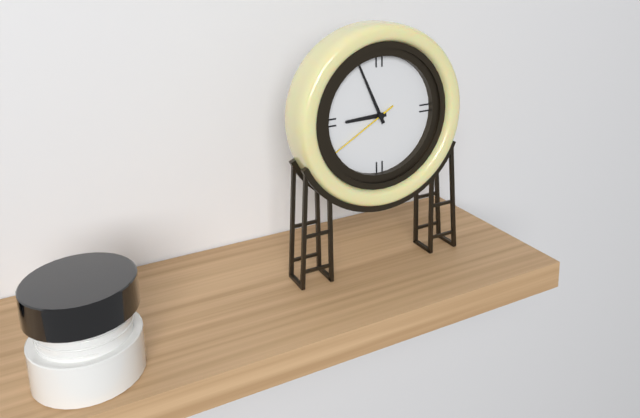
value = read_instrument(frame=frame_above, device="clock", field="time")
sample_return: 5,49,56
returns 8,56,40
